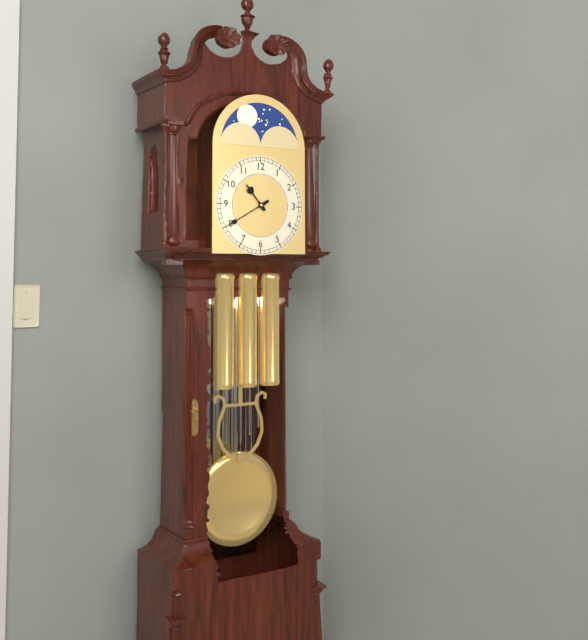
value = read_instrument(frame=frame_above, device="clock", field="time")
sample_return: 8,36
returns 10,40
